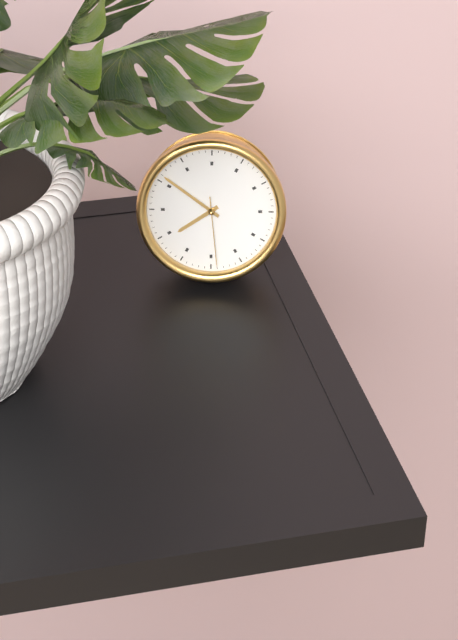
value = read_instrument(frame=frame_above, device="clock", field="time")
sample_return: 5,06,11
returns 7,51,29
